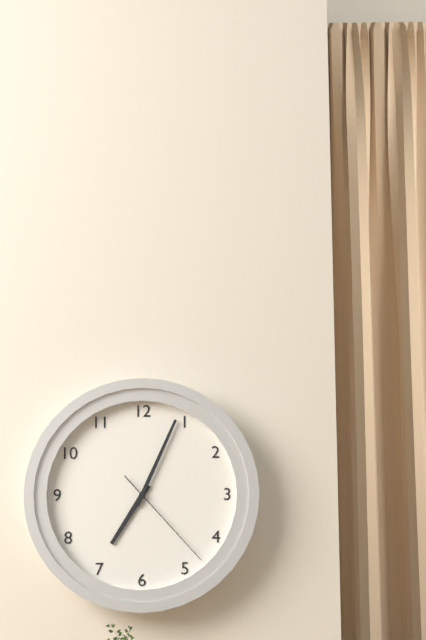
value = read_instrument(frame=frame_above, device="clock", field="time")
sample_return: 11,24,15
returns 7,04,23
